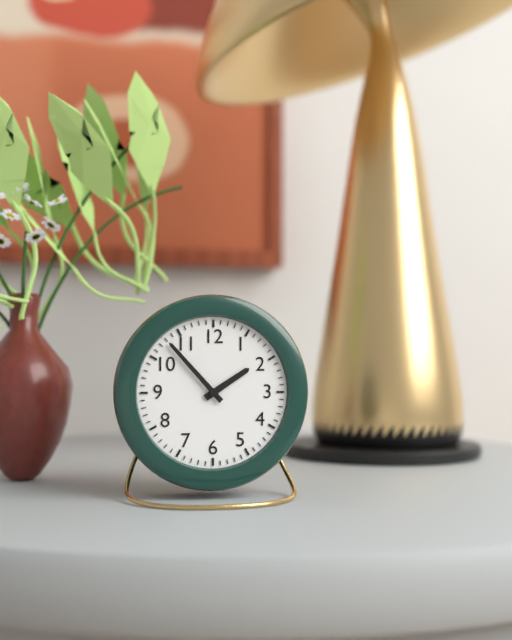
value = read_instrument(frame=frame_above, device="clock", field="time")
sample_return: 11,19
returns 1,53
